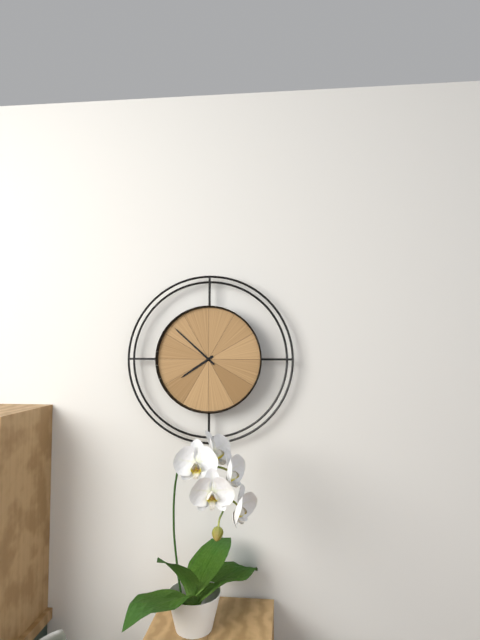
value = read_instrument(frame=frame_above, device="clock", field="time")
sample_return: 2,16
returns 7,52
